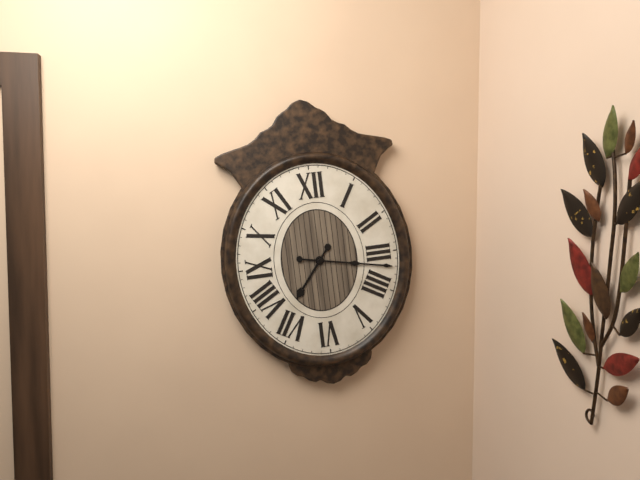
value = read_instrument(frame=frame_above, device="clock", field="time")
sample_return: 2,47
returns 7,17
